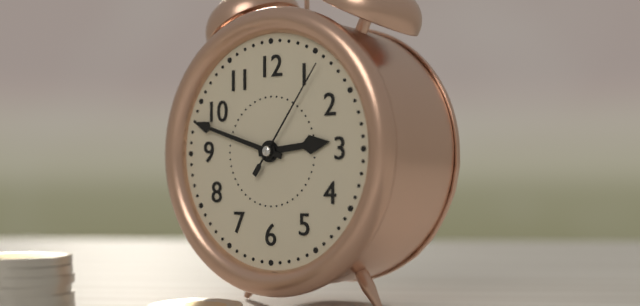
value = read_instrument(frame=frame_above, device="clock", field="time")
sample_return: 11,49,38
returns 2,48,06
